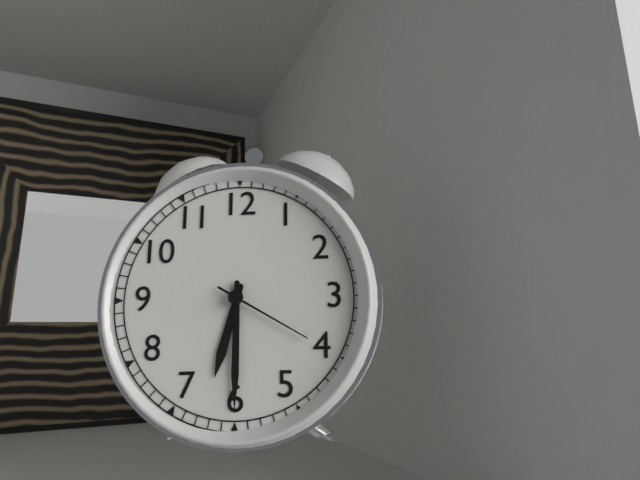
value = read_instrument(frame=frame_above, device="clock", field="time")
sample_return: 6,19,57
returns 6,30,20
